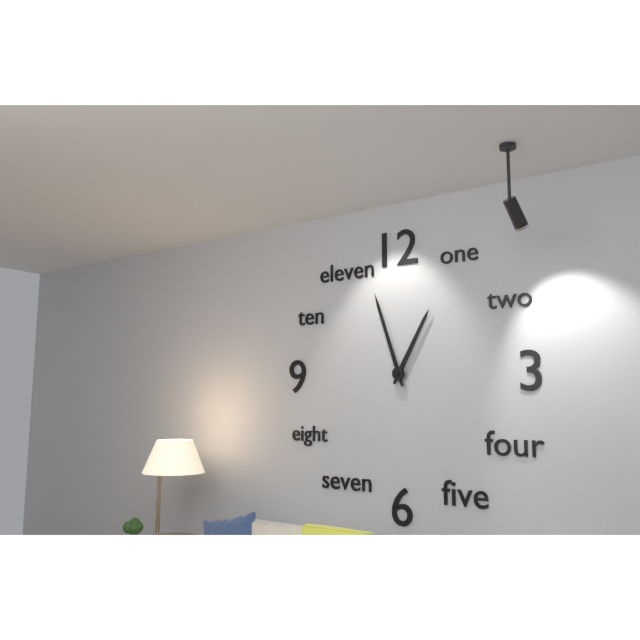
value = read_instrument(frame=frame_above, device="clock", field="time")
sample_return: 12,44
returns 12,57
